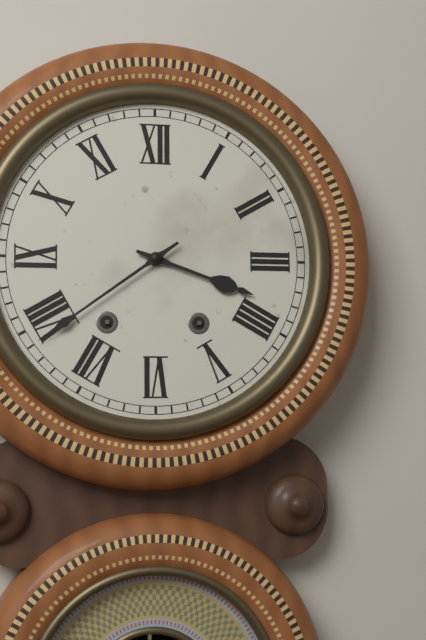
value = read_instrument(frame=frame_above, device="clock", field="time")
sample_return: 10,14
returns 3,39
